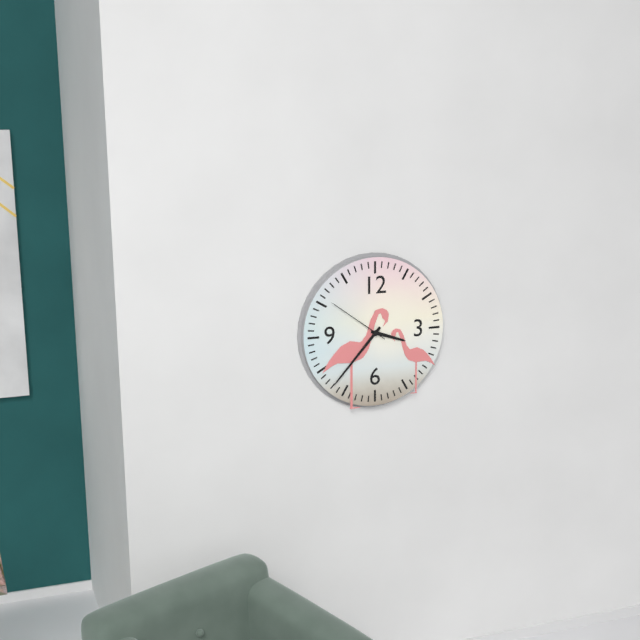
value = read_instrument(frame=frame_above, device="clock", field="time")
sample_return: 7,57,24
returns 3,37,51
